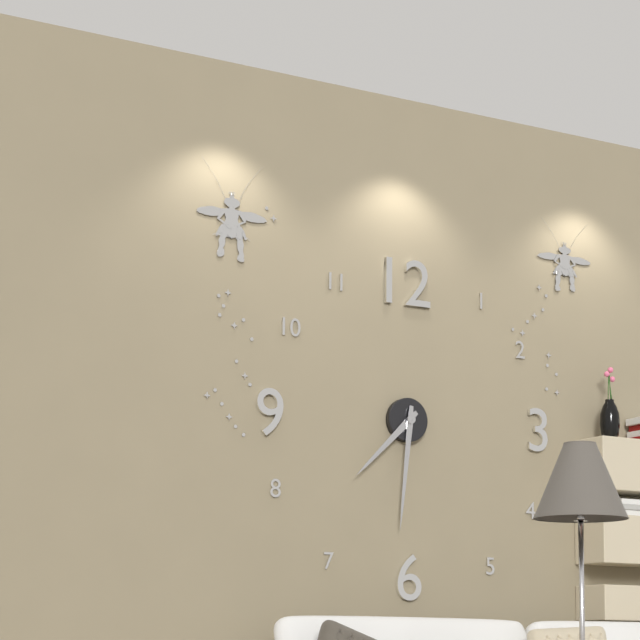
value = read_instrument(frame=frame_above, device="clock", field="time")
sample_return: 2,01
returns 7,31
